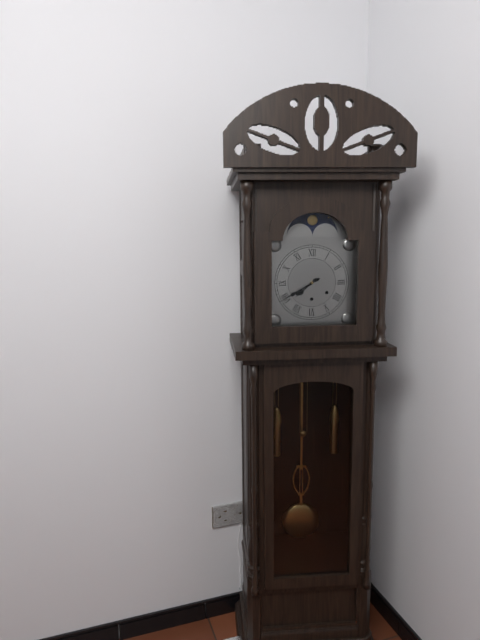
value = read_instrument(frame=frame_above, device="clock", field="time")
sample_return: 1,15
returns 7,40
